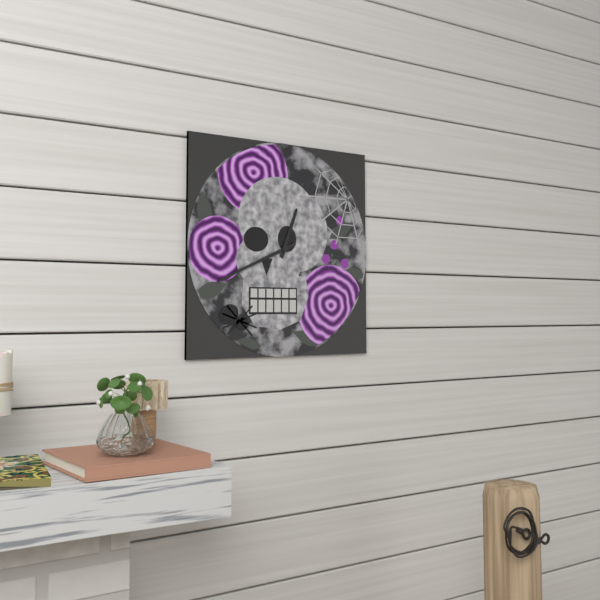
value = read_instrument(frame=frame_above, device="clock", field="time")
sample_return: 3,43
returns 12,41
